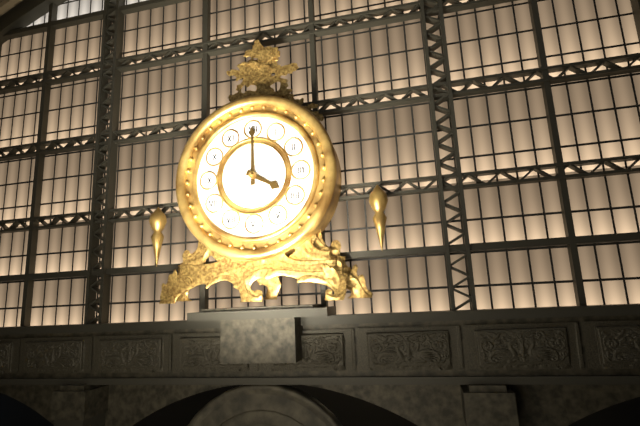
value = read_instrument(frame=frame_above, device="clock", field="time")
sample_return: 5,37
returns 4,00
